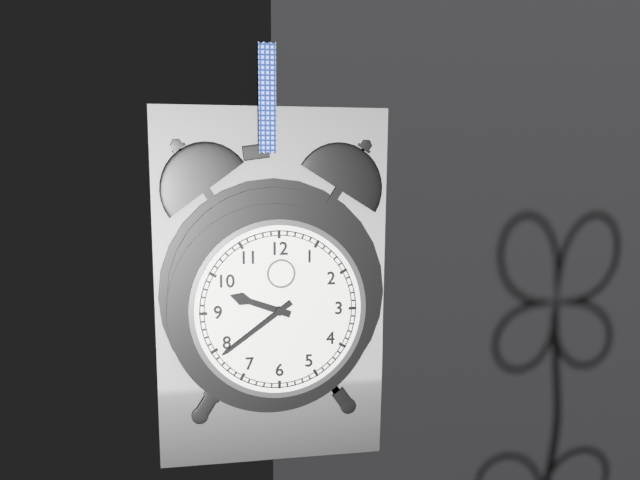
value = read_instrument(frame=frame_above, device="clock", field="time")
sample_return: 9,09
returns 9,39
